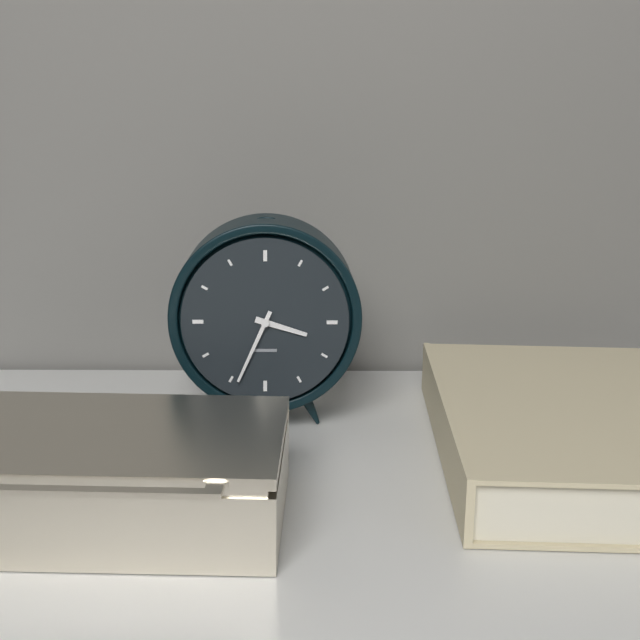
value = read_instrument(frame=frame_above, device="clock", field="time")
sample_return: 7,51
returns 3,34
